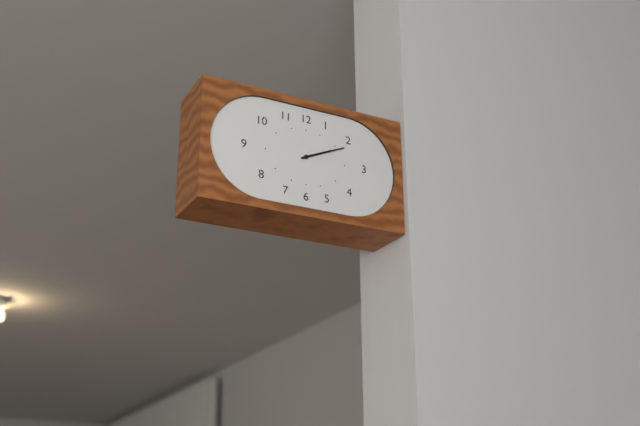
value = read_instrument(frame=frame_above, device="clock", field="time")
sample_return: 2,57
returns 2,11
